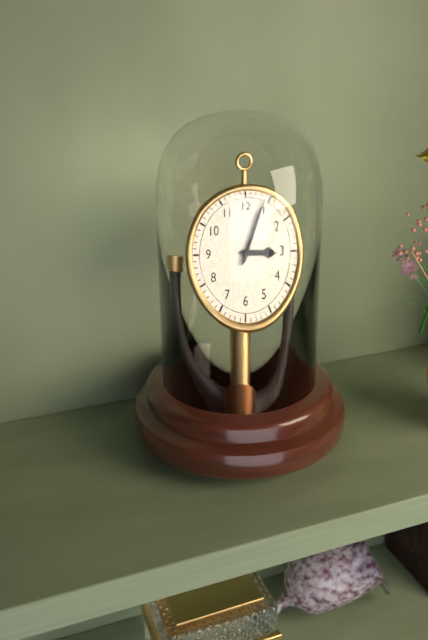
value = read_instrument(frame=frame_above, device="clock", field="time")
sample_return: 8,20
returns 3,04
